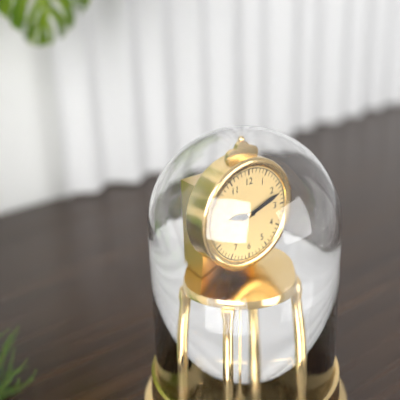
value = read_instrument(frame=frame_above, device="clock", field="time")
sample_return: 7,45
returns 9,12
